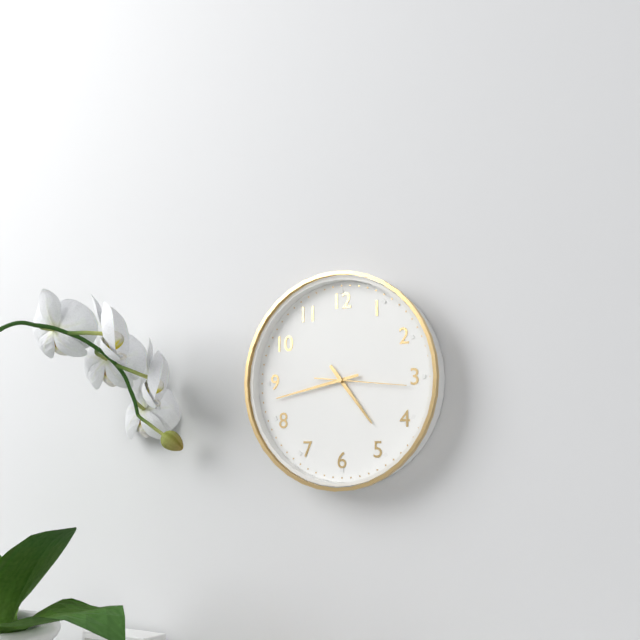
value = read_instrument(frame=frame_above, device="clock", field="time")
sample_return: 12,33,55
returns 4,43,16
